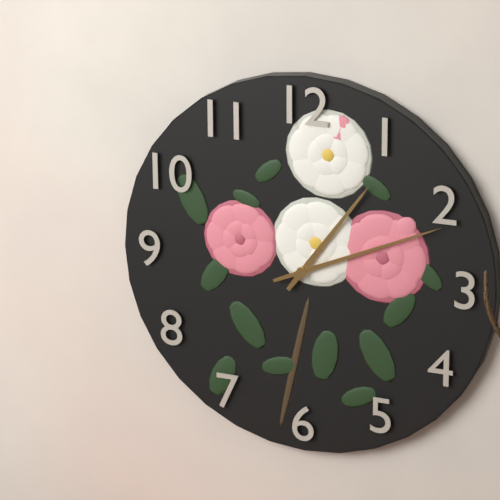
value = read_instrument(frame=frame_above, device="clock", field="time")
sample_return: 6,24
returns 1,11
